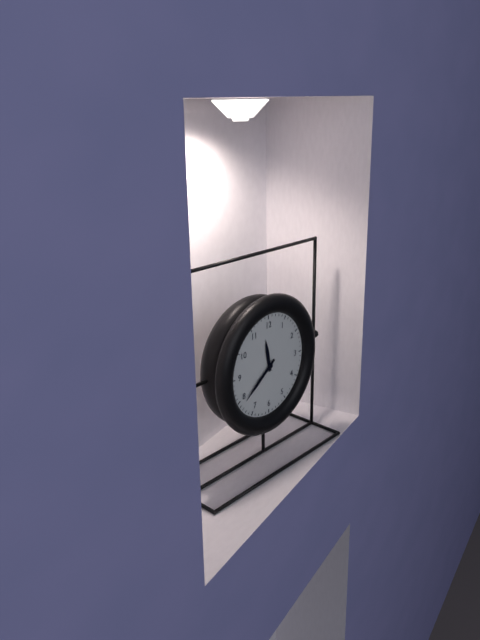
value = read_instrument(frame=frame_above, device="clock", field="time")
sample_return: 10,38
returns 11,39
